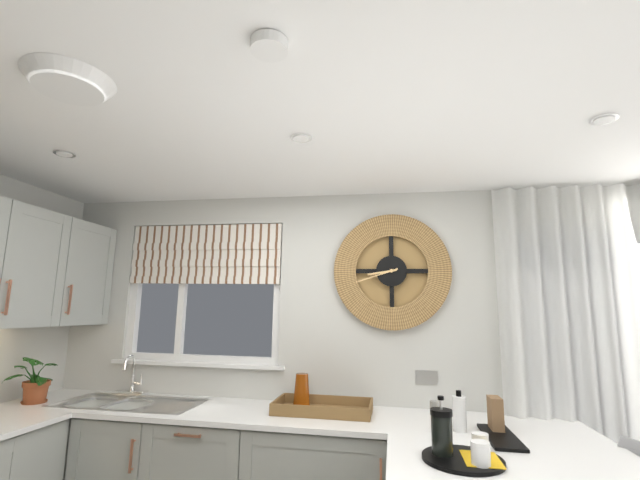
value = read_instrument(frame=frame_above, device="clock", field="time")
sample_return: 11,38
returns 8,42
